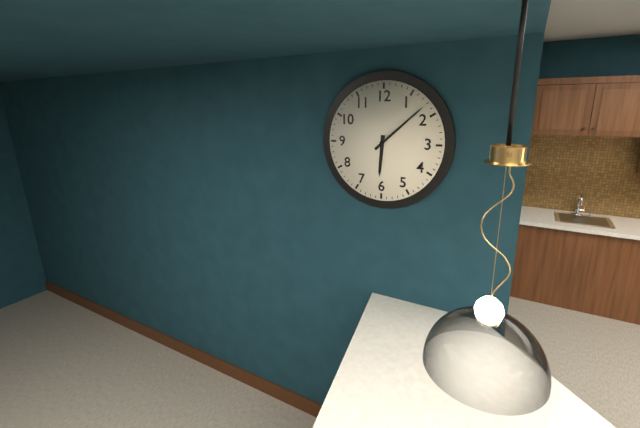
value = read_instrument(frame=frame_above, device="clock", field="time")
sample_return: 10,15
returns 6,08
